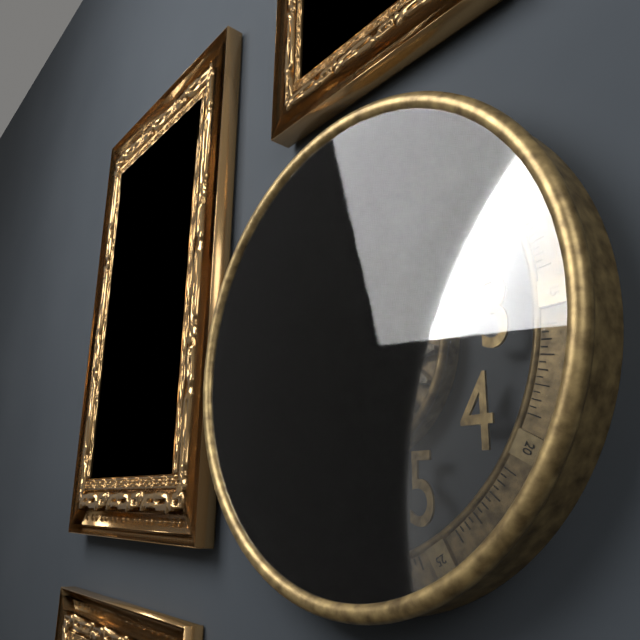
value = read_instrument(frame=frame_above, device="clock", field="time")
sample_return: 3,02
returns 11,41
